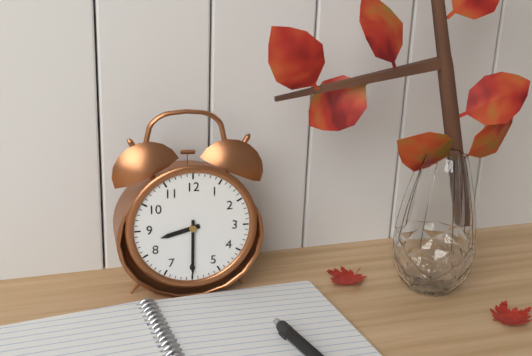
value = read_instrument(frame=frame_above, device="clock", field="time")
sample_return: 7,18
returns 8,30
